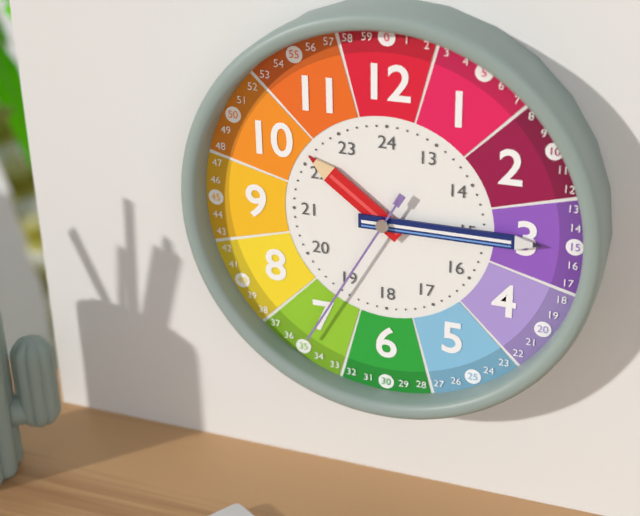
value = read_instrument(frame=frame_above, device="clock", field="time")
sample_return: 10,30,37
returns 10,15,35
